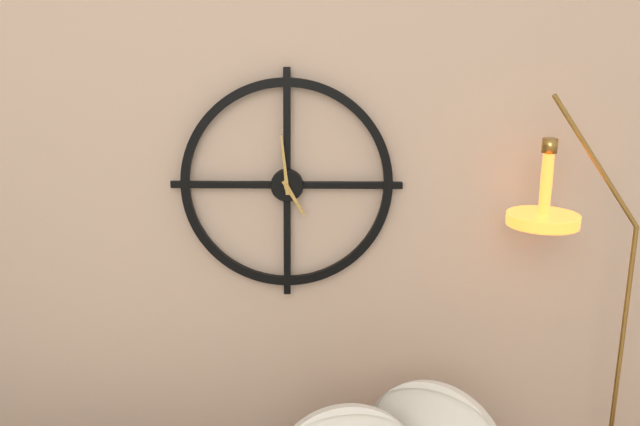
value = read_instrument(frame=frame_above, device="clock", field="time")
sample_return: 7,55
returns 4,59
